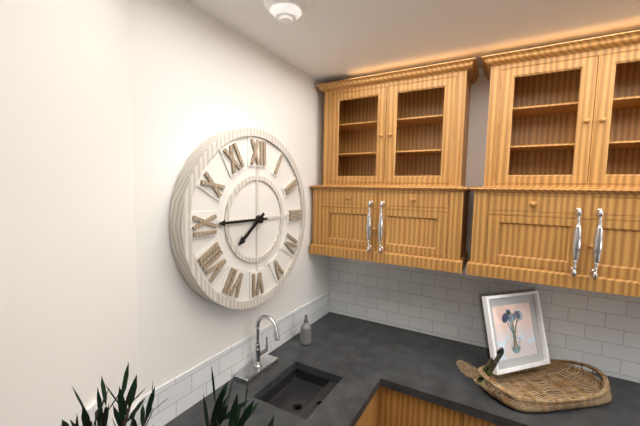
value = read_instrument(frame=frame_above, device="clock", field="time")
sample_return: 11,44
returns 7,45
